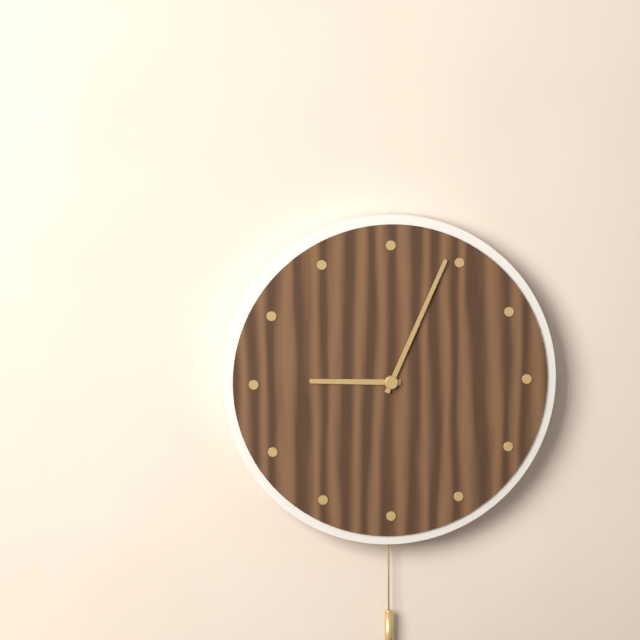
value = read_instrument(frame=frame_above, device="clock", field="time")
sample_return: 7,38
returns 9,04
